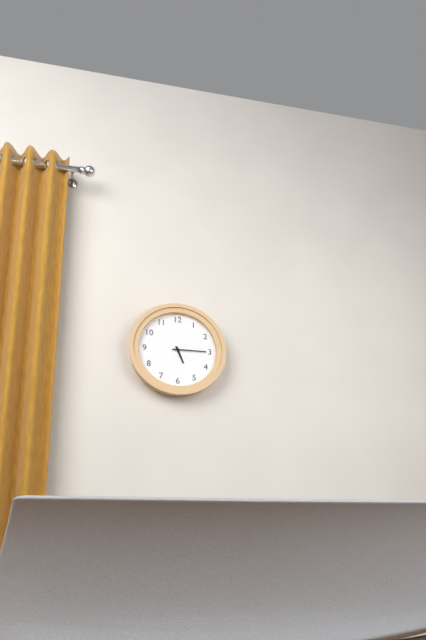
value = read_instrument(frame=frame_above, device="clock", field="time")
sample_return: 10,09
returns 5,15
